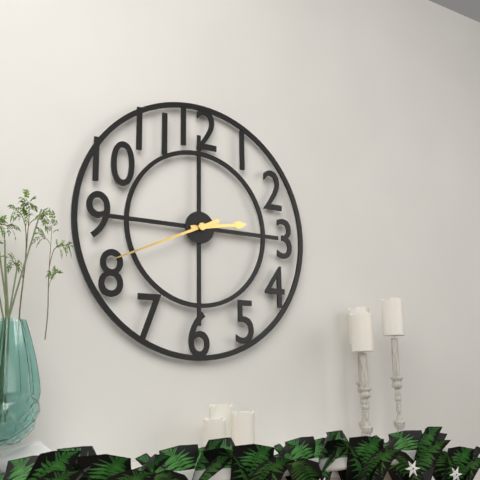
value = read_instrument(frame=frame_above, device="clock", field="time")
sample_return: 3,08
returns 2,41
